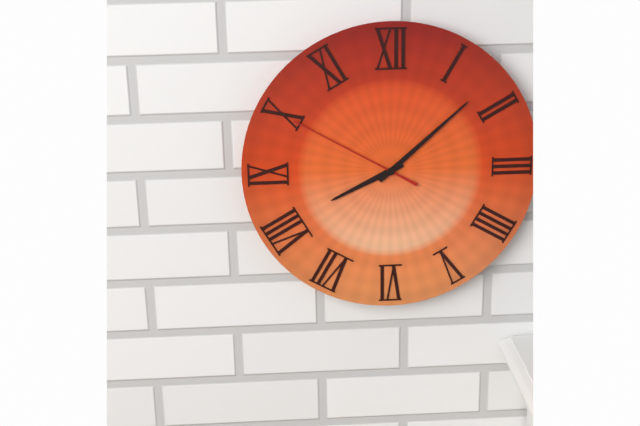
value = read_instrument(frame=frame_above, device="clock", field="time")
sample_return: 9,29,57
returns 8,08,50
